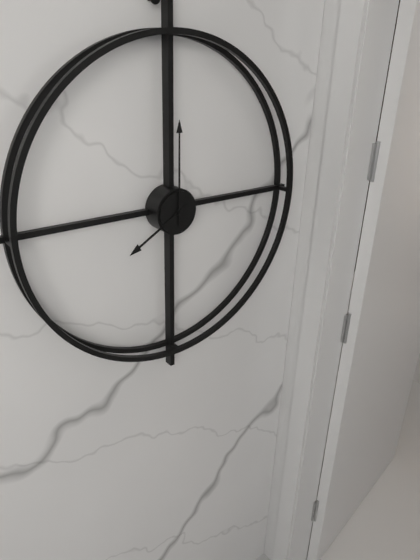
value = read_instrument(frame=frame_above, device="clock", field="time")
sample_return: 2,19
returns 8,00
